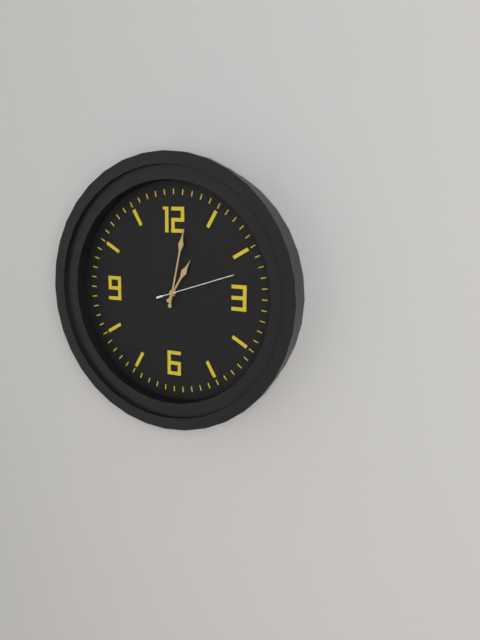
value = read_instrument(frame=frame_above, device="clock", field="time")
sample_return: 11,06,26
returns 1,02,12
